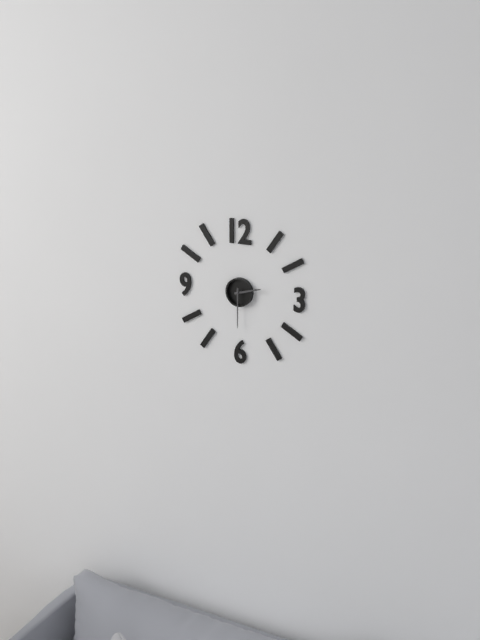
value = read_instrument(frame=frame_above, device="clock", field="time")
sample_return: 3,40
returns 2,30
